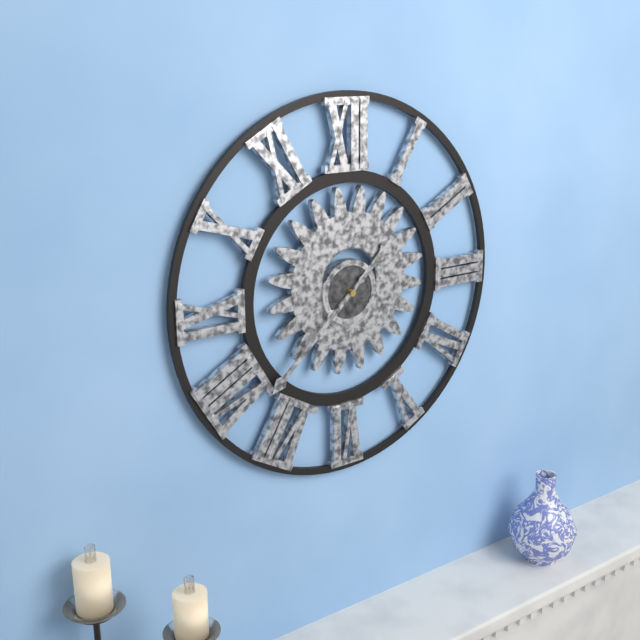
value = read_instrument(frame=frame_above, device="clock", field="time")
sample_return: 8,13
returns 1,38
